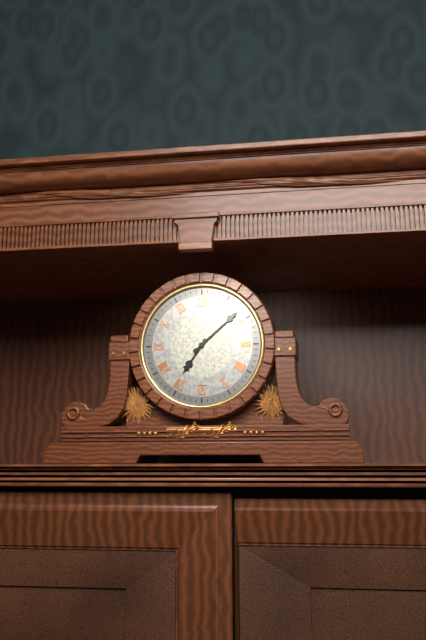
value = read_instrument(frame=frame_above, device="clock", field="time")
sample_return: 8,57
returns 7,08
